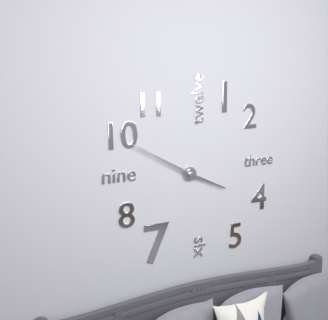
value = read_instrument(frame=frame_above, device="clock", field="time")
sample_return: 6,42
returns 3,50
